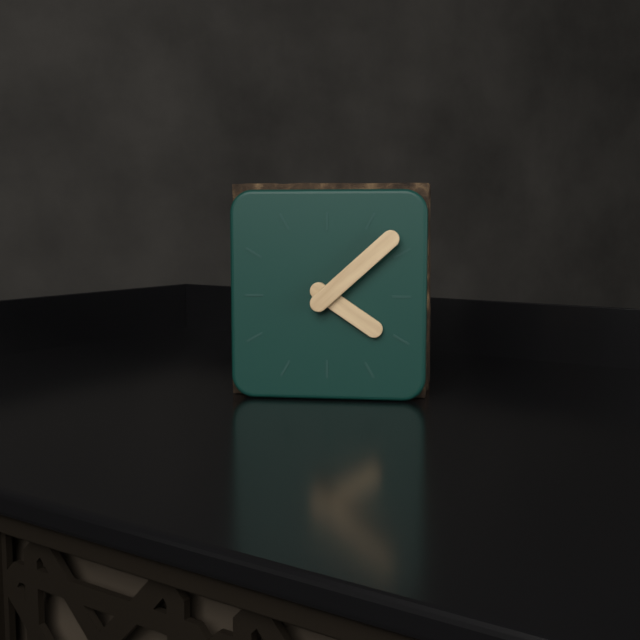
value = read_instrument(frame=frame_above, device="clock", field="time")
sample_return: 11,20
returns 4,08
